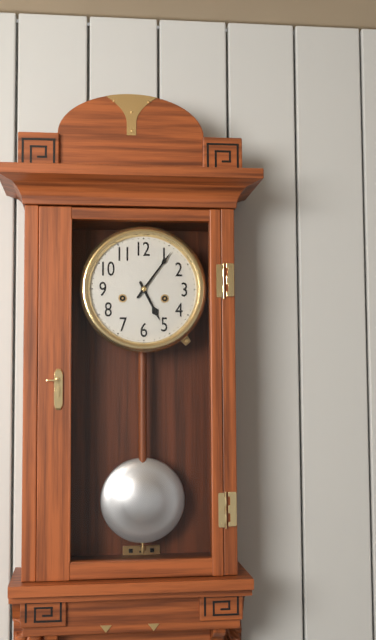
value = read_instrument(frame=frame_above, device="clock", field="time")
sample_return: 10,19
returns 5,06
